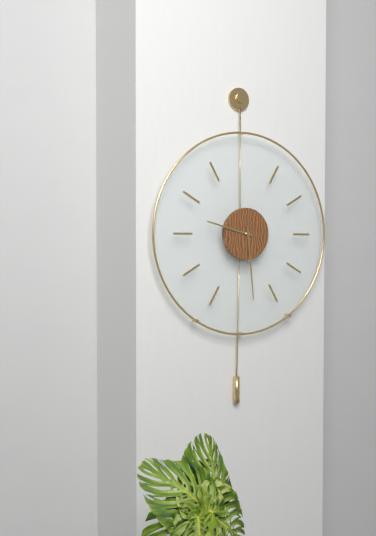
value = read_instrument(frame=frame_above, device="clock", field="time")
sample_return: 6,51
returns 9,29
